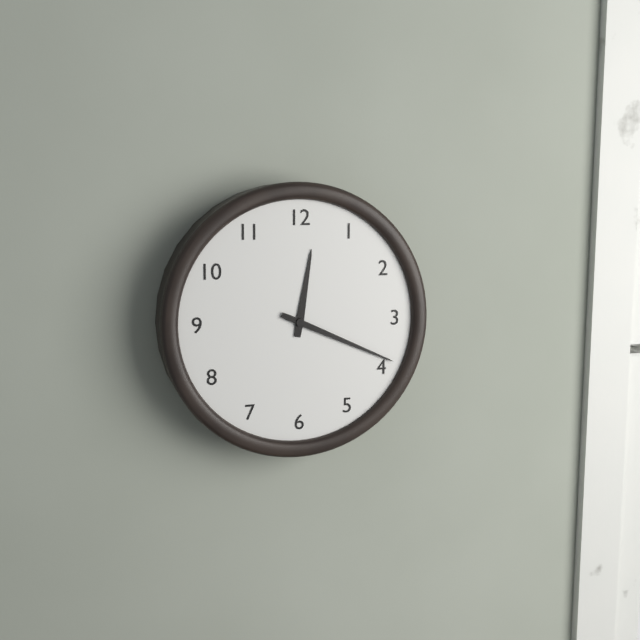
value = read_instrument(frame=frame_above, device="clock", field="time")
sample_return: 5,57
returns 12,19
